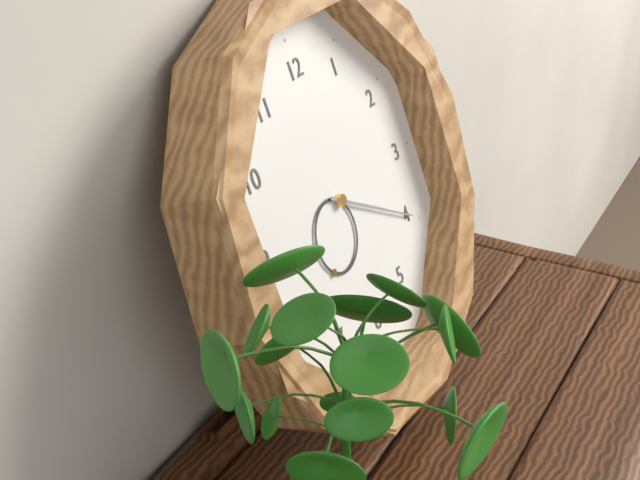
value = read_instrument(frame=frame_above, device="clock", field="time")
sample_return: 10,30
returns 7,20
